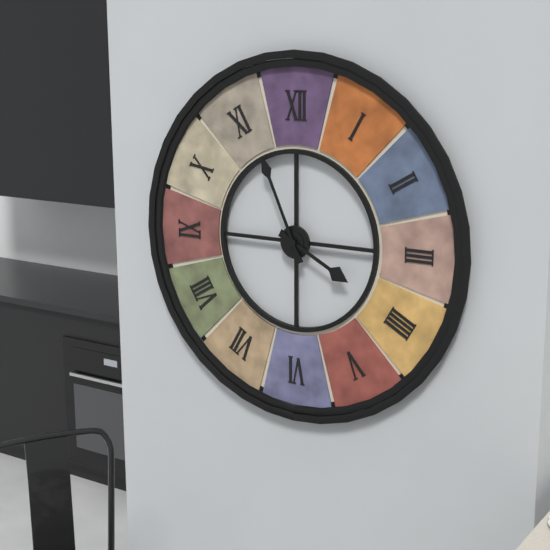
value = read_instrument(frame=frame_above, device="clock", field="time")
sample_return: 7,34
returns 3,56
